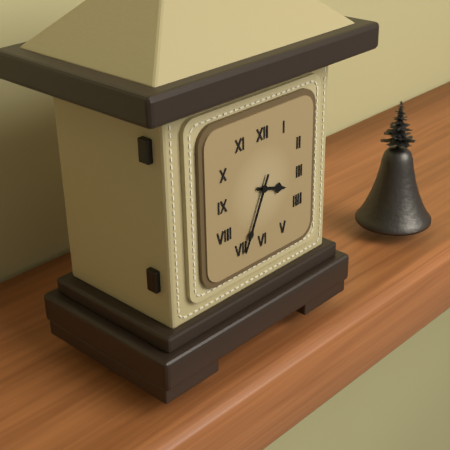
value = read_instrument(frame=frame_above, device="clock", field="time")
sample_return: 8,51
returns 3,34
